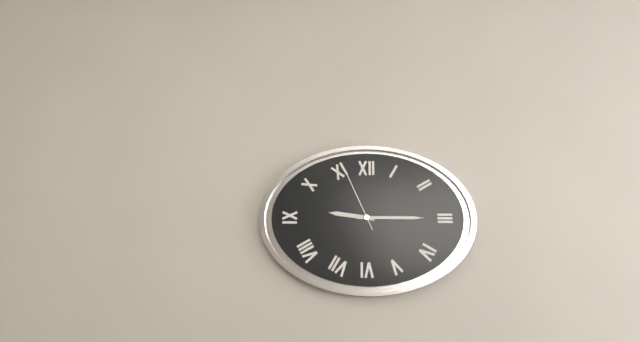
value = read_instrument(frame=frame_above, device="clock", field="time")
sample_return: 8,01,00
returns 9,15,56
